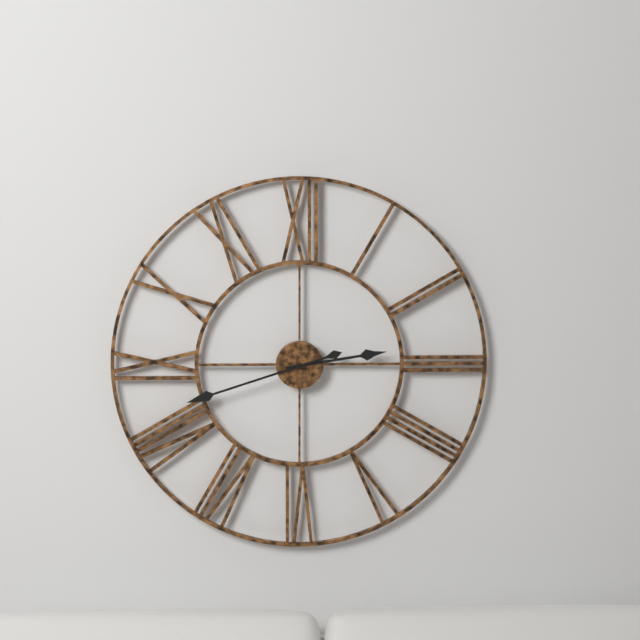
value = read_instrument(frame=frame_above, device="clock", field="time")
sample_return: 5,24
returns 2,42
